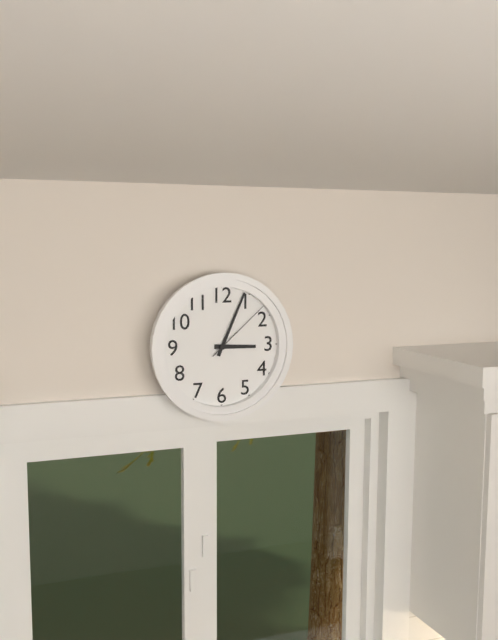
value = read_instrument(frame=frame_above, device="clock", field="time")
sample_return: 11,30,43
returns 3,04,08
